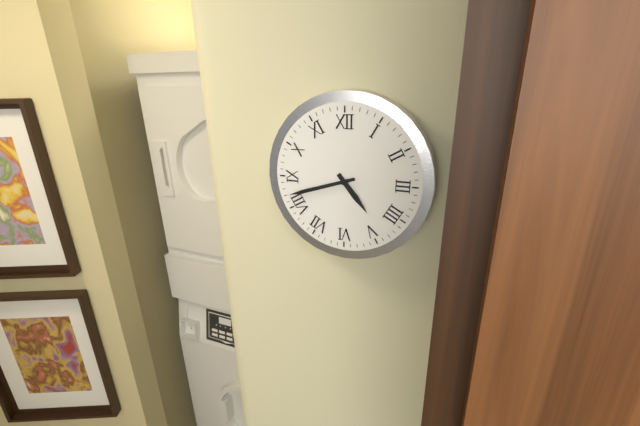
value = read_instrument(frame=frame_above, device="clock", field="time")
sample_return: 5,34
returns 4,42
